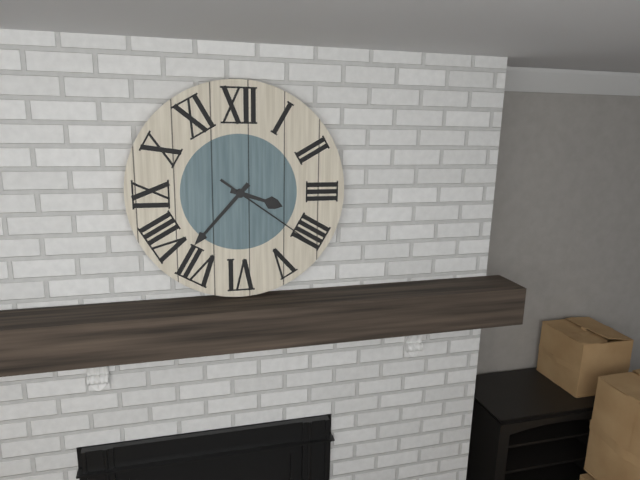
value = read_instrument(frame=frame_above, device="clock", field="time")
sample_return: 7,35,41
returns 3,37,21
